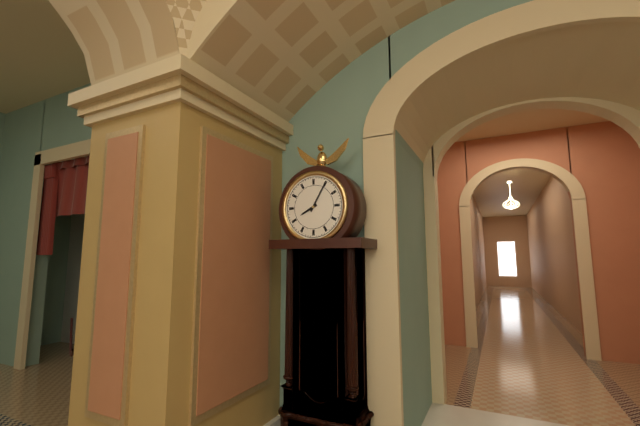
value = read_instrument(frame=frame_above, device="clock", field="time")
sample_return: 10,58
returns 8,05
